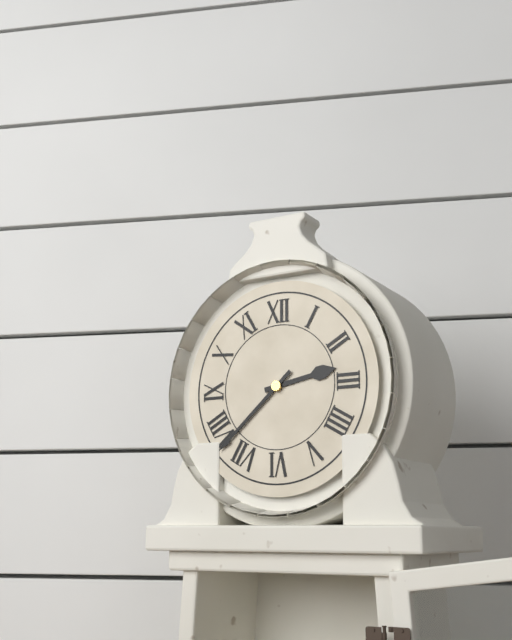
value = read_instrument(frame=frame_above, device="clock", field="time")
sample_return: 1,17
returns 2,38
